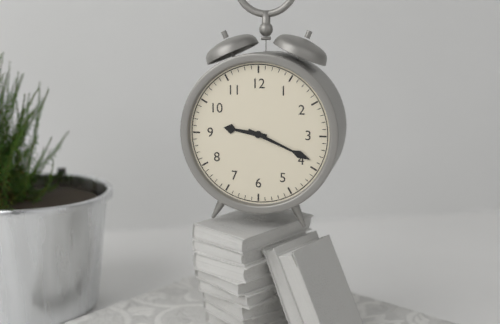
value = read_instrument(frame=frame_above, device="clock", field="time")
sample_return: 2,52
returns 9,19
